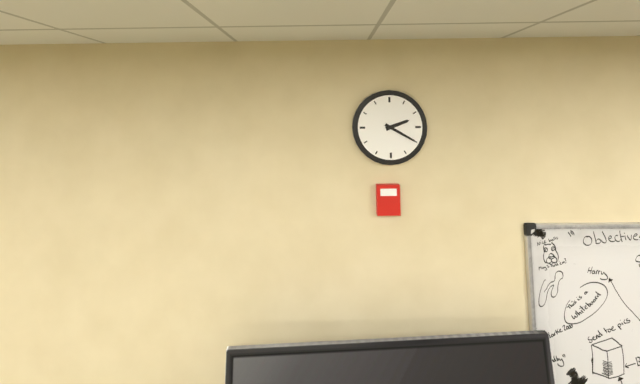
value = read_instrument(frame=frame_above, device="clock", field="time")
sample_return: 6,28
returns 2,20
